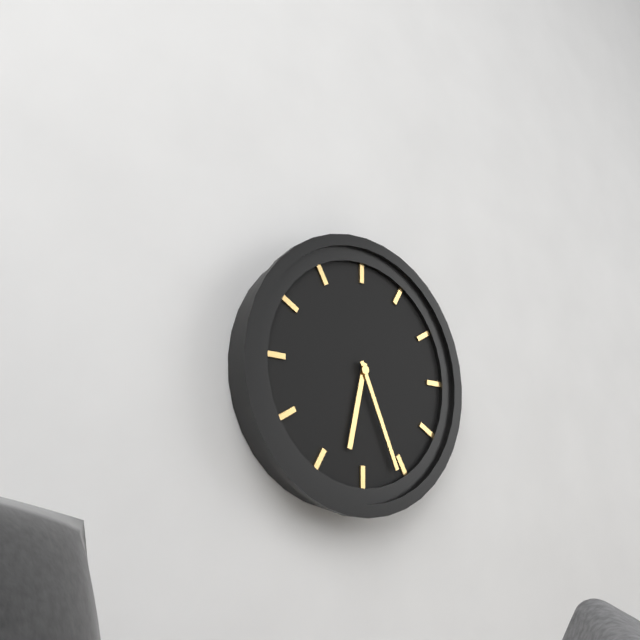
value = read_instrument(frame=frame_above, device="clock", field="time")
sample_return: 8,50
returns 6,26
